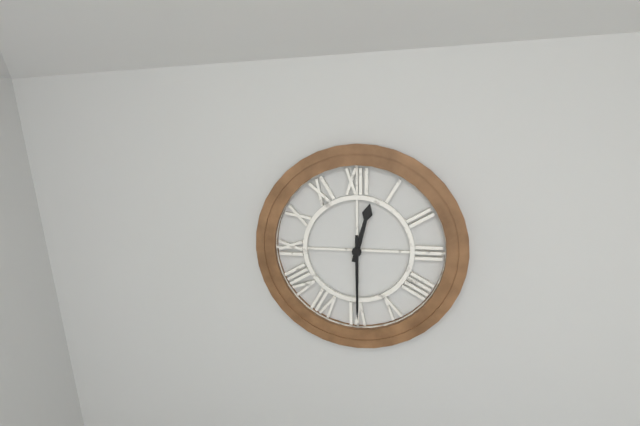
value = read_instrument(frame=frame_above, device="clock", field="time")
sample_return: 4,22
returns 12,30
